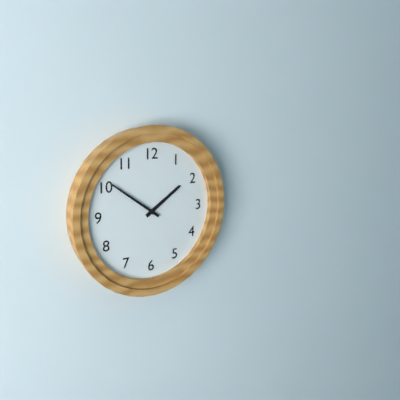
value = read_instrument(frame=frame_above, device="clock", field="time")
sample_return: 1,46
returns 1,51
